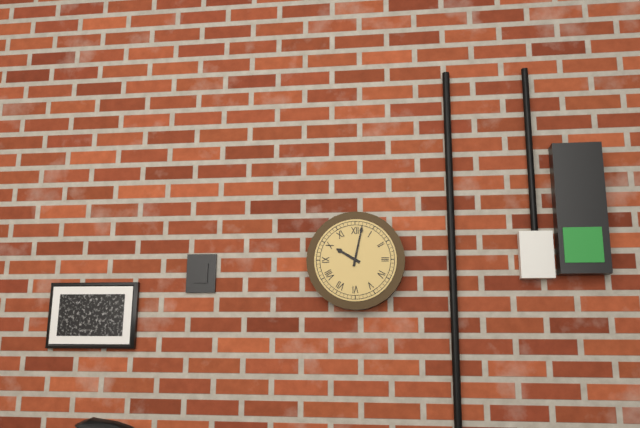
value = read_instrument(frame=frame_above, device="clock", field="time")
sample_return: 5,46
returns 10,02
